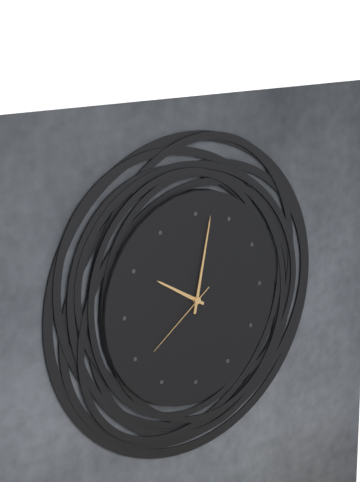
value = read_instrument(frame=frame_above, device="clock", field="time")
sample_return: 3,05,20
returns 10,02,39
